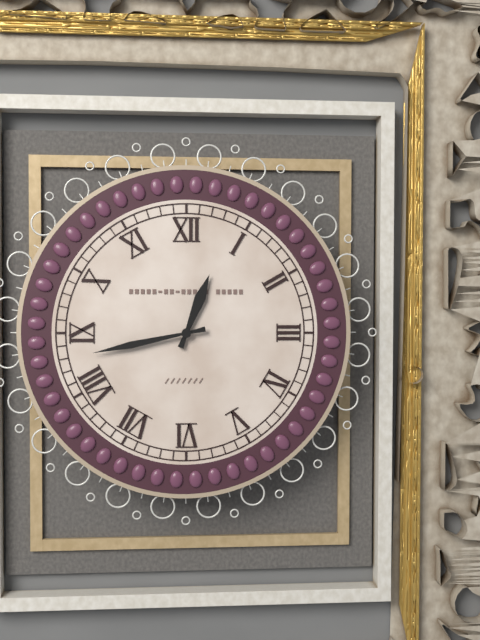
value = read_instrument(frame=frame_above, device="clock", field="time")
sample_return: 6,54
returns 12,43
